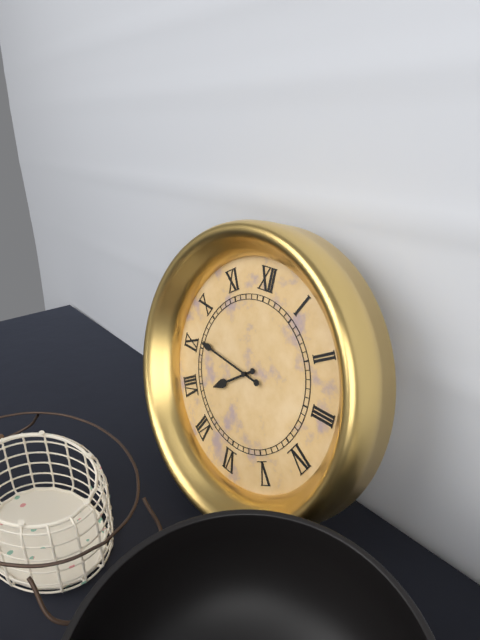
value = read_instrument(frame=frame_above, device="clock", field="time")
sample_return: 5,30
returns 7,46
